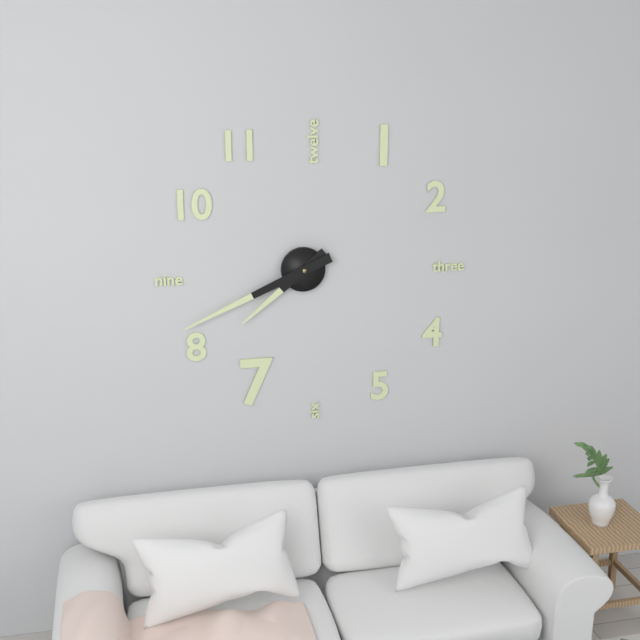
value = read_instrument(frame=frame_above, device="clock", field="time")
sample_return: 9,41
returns 7,41
